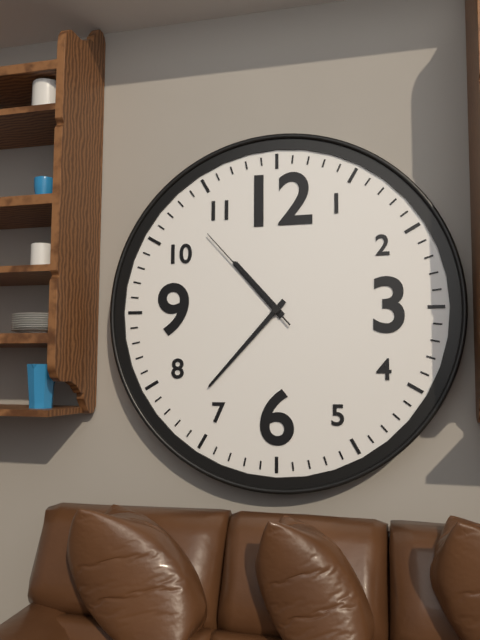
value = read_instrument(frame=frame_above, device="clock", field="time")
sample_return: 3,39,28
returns 10,37,53
